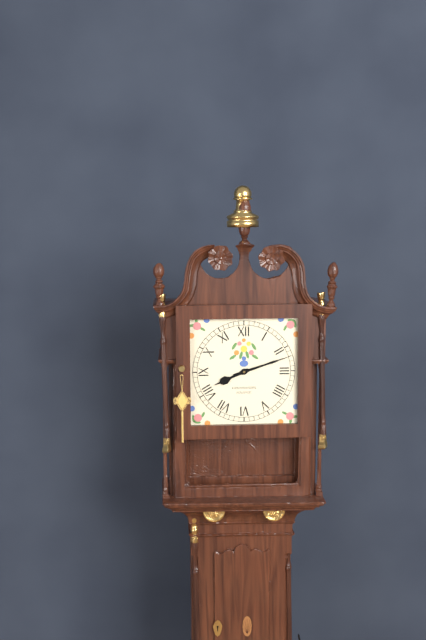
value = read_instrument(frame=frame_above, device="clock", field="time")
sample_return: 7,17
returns 8,12
